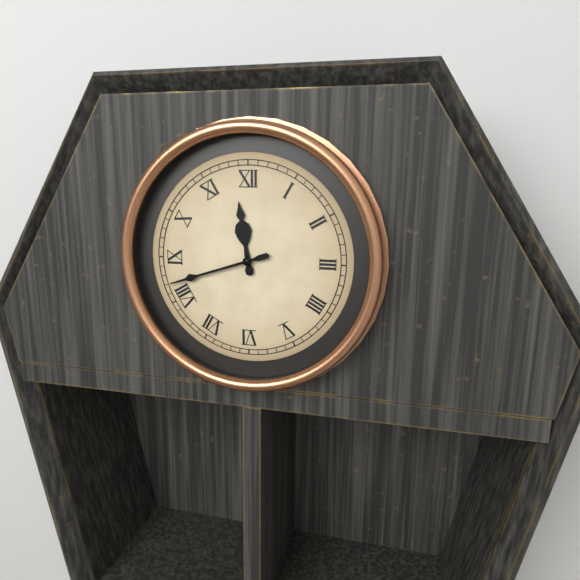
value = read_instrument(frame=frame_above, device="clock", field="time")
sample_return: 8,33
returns 11,42
